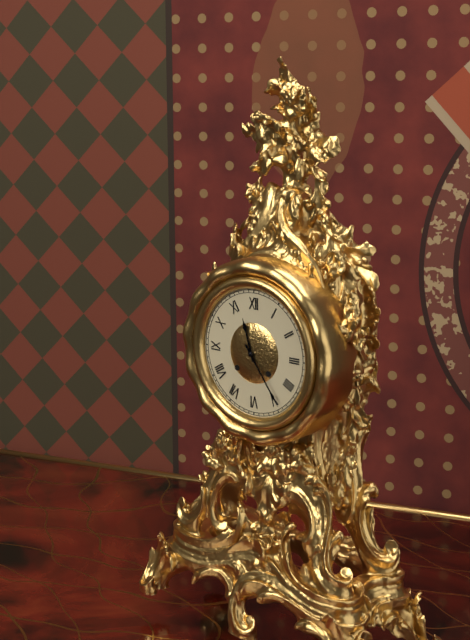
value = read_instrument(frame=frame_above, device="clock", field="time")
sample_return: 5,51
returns 11,24
